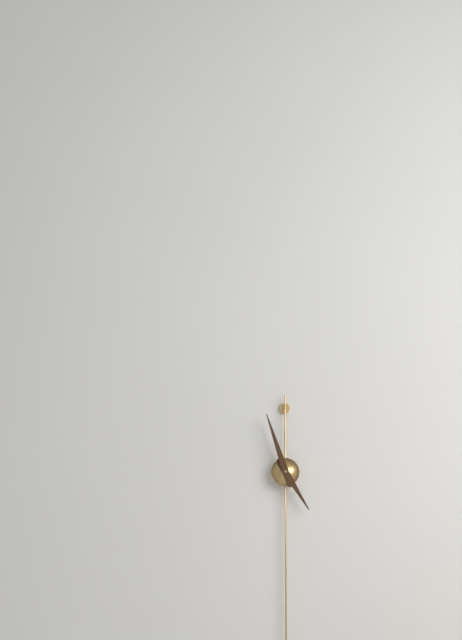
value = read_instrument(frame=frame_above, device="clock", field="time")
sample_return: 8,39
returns 4,57
